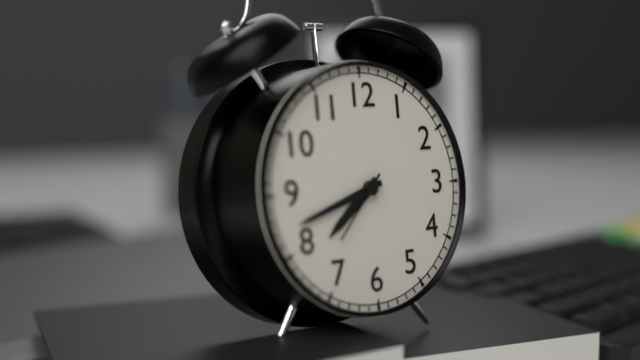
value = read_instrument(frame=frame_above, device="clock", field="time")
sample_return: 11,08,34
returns 7,42,37
